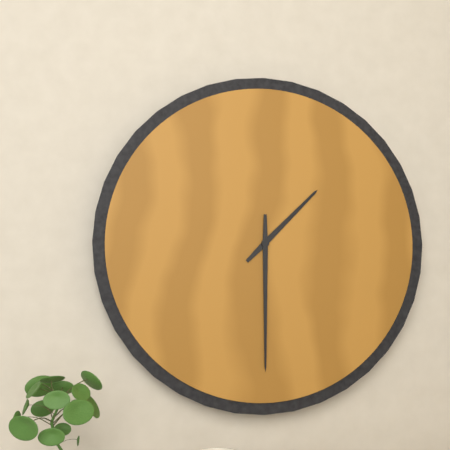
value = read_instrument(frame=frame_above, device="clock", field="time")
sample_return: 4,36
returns 1,30
